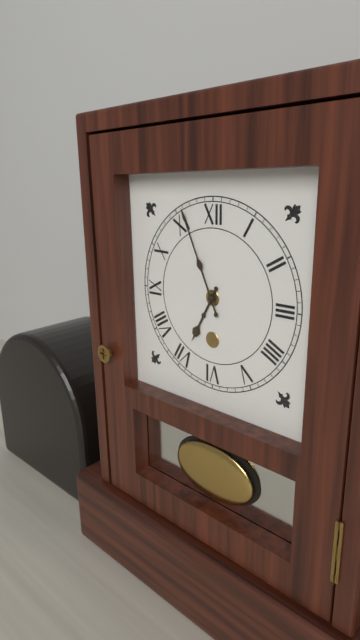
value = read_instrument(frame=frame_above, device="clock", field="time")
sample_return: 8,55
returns 6,56
